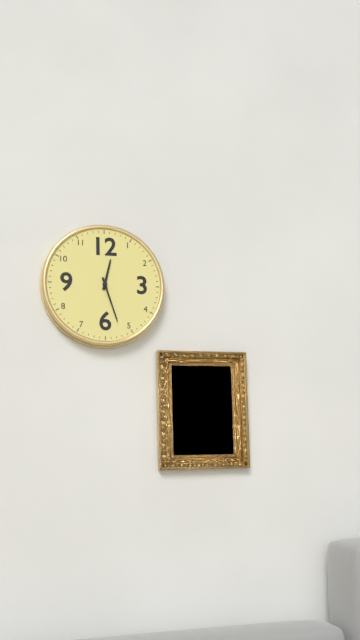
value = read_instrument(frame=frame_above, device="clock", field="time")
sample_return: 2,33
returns 12,27
